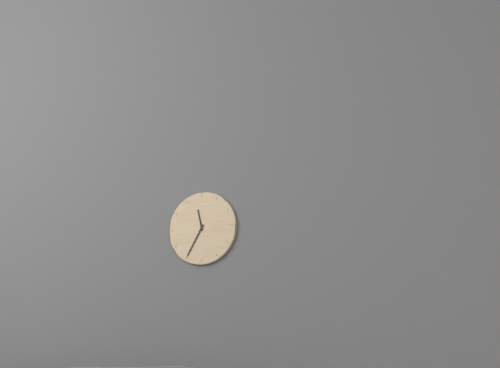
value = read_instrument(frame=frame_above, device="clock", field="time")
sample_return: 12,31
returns 11,35
